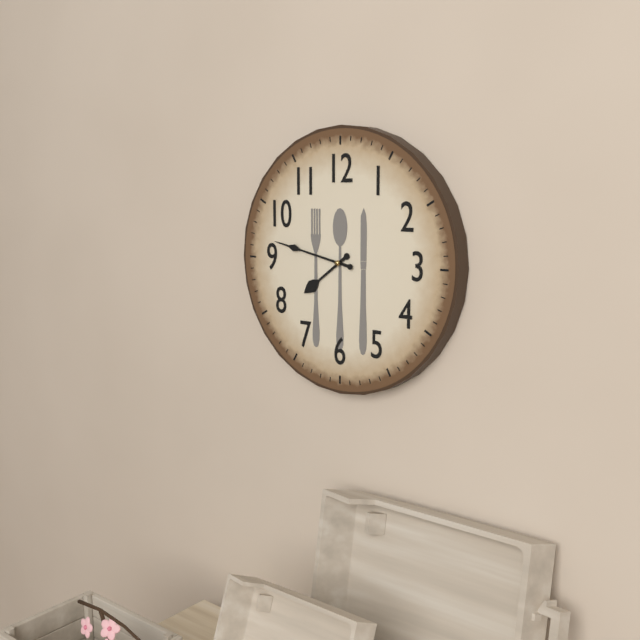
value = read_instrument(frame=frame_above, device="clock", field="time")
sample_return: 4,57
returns 7,47
